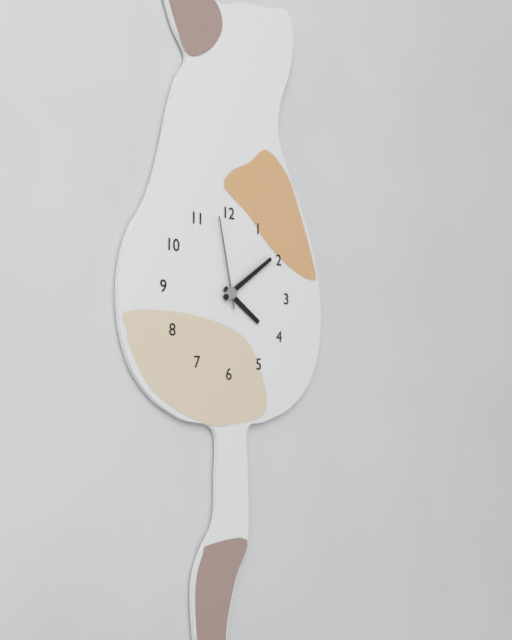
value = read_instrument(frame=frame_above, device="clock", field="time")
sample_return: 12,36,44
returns 4,09,58
